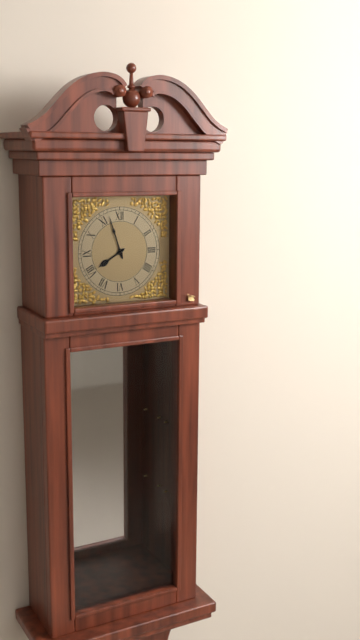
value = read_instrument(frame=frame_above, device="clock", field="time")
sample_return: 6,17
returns 7,57
